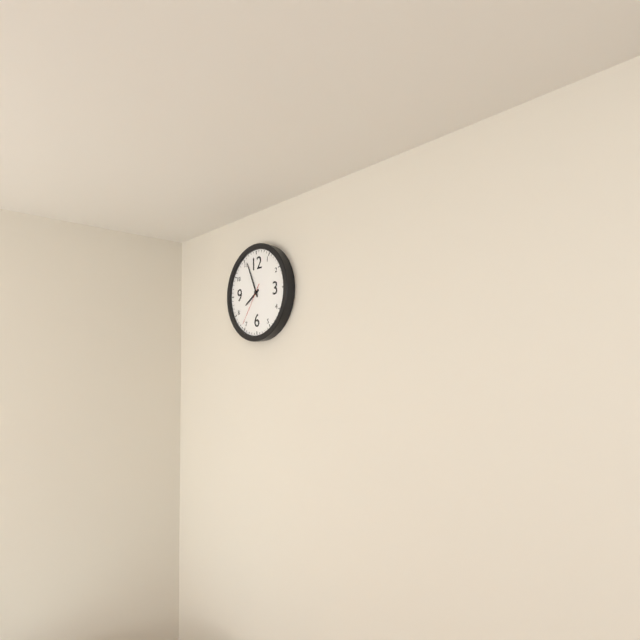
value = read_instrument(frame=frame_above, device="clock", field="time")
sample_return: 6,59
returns 7,56
